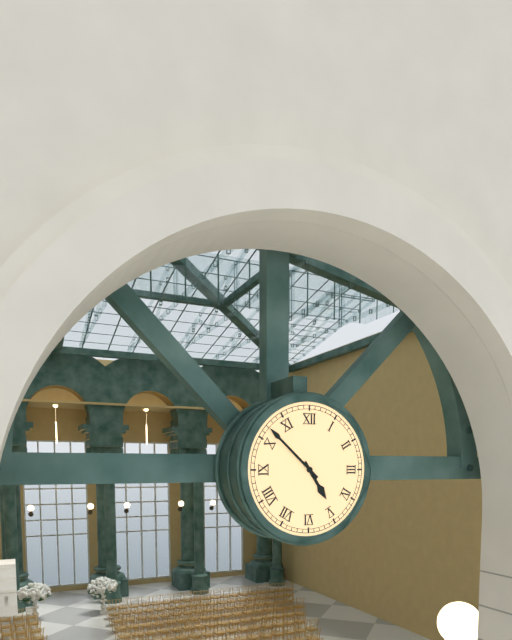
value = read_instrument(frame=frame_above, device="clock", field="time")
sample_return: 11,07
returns 4,52
